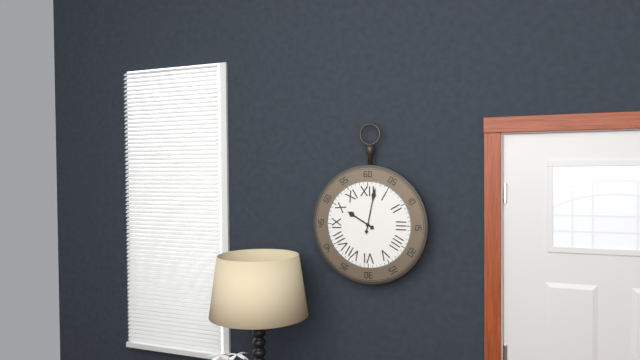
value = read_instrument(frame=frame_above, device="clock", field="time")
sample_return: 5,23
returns 10,02
